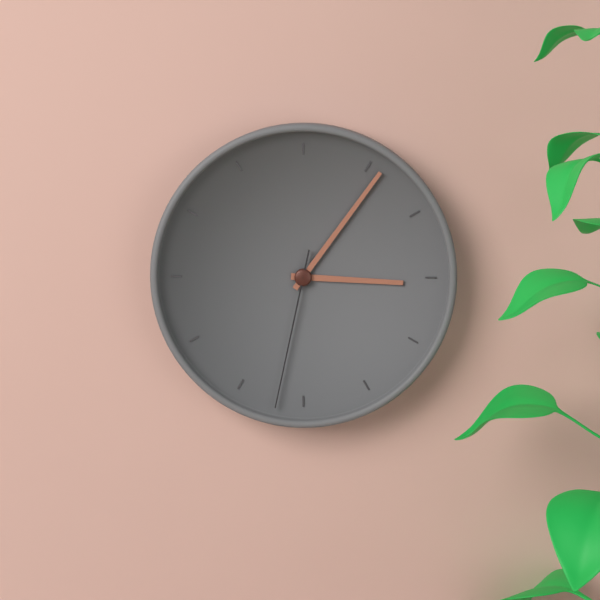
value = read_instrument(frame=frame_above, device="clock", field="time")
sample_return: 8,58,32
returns 3,06,32
